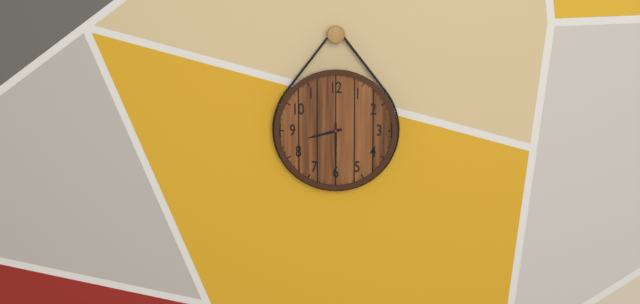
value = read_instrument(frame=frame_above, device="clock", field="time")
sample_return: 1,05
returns 8,30
